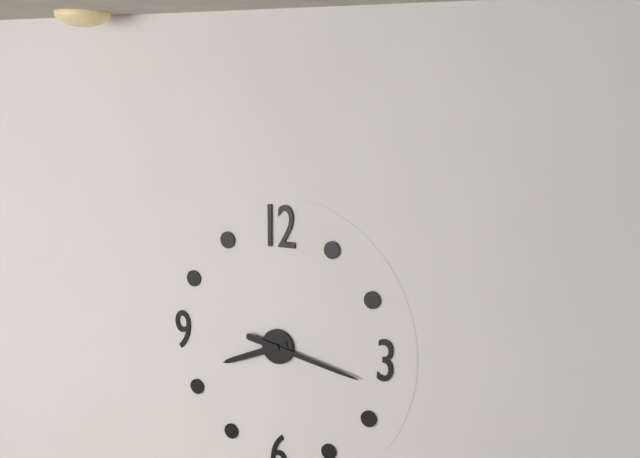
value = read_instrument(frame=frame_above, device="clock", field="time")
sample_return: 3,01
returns 8,17
